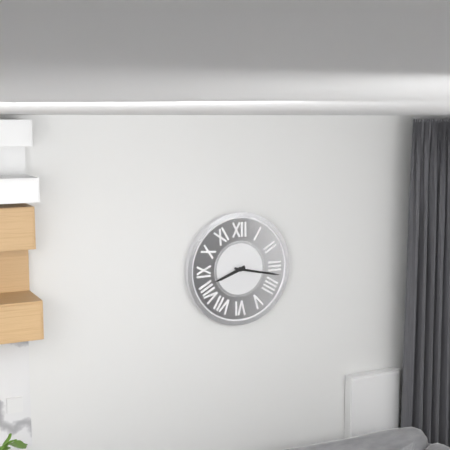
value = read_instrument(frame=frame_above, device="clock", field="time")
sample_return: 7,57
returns 8,17
